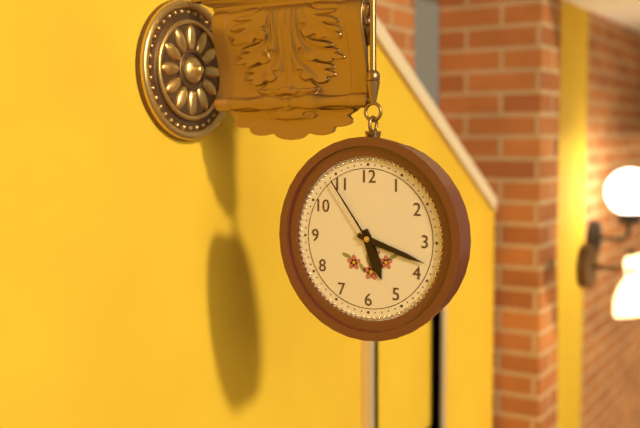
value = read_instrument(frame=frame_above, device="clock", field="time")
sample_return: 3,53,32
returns 5,18,54
